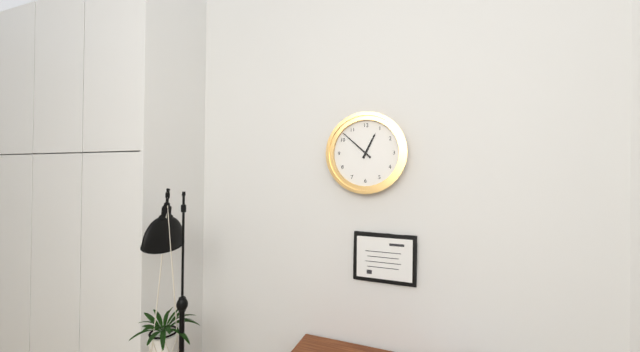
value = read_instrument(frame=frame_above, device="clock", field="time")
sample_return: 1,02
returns 12,52
